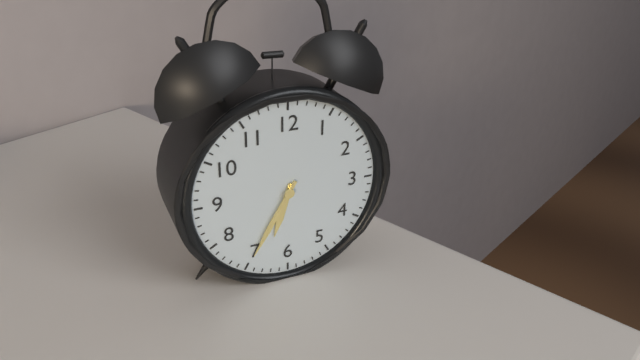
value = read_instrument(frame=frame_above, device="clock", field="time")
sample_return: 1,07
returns 6,35
